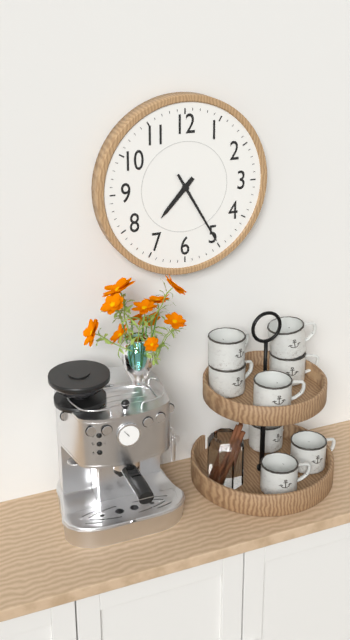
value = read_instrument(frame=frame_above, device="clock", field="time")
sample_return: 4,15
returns 7,25
